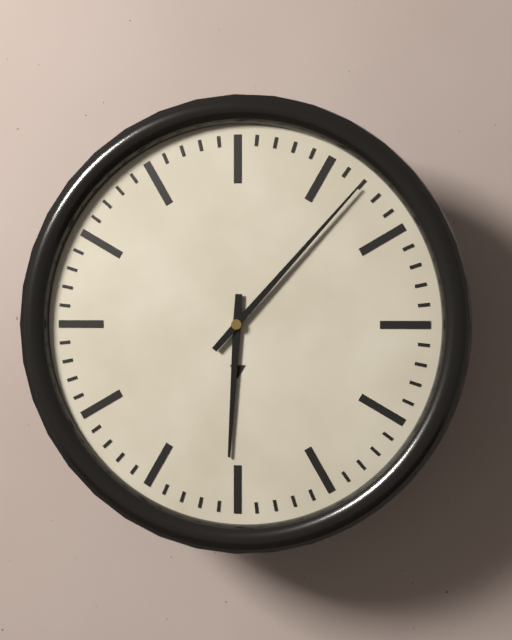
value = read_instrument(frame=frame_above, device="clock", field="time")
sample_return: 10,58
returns 6,07
